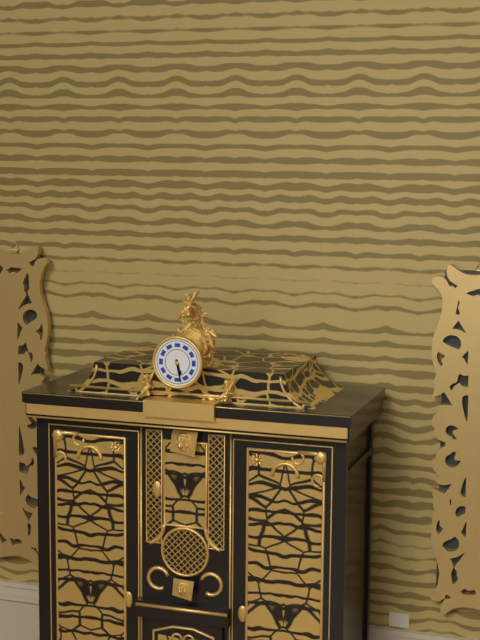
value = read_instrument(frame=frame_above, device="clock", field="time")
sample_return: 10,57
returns 5,28
